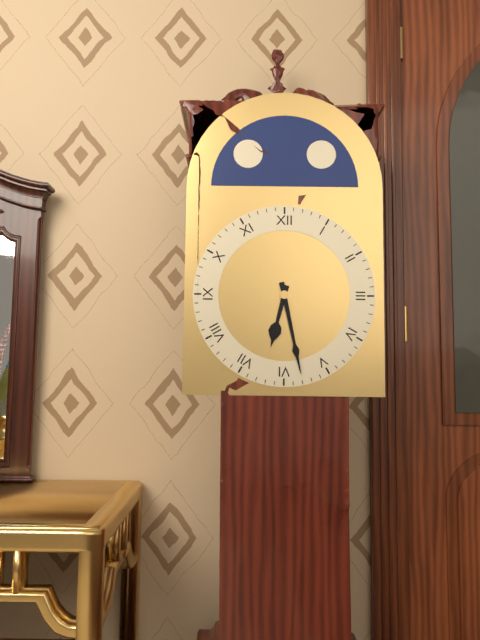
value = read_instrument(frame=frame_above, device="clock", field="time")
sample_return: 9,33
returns 6,28
